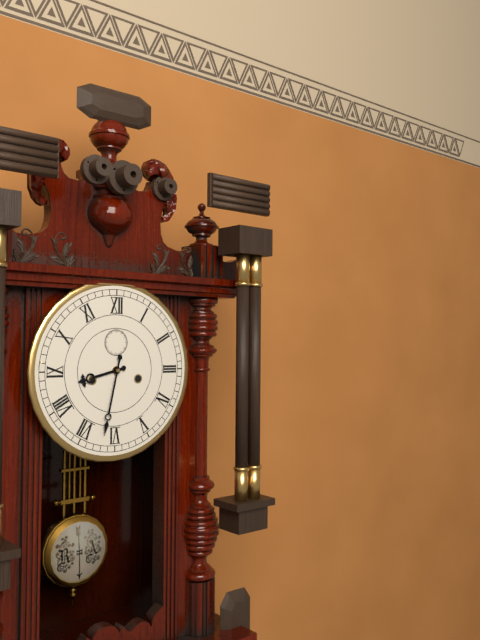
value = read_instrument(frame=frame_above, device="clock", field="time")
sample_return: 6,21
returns 8,32
